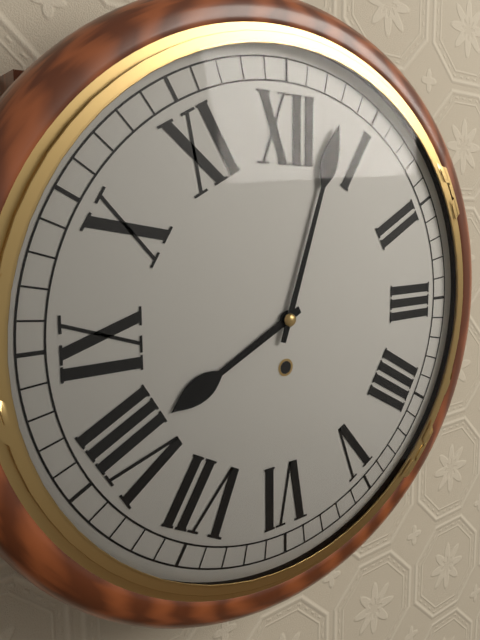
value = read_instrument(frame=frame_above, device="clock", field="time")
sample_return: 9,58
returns 8,03
